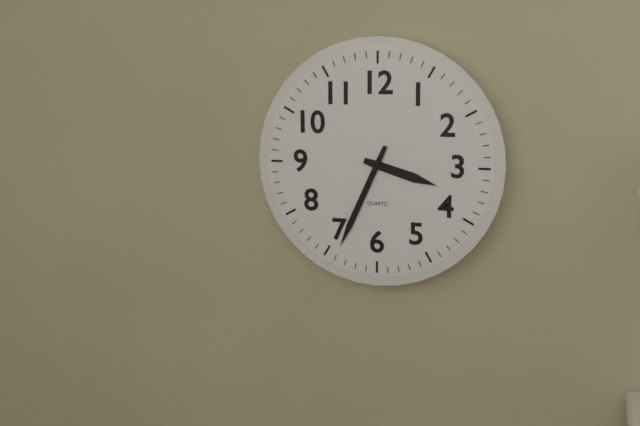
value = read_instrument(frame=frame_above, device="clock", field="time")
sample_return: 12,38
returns 3,34
